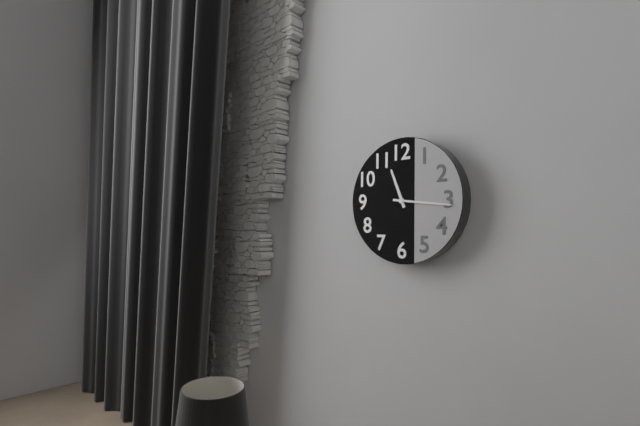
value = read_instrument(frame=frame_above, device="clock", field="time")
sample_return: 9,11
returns 11,16
